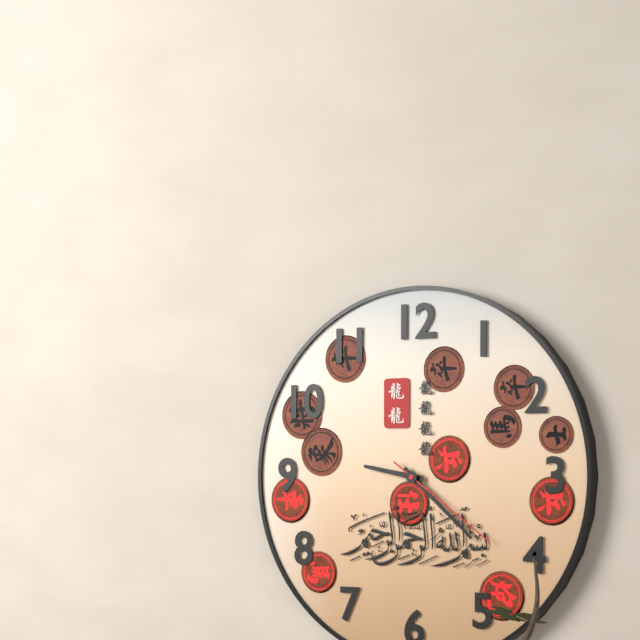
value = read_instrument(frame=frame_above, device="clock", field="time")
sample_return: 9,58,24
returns 9,22,21
